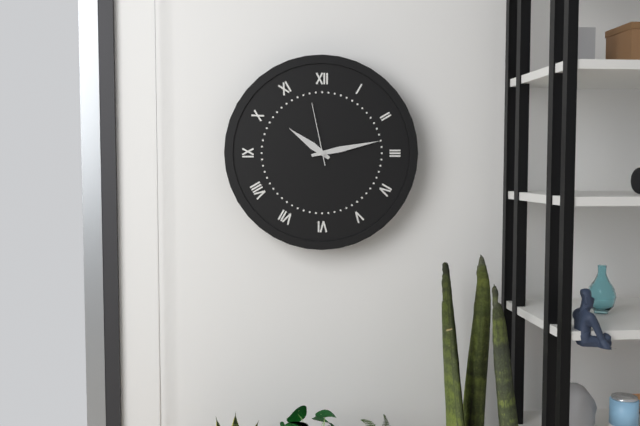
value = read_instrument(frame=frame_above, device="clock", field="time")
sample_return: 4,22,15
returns 10,13,58
